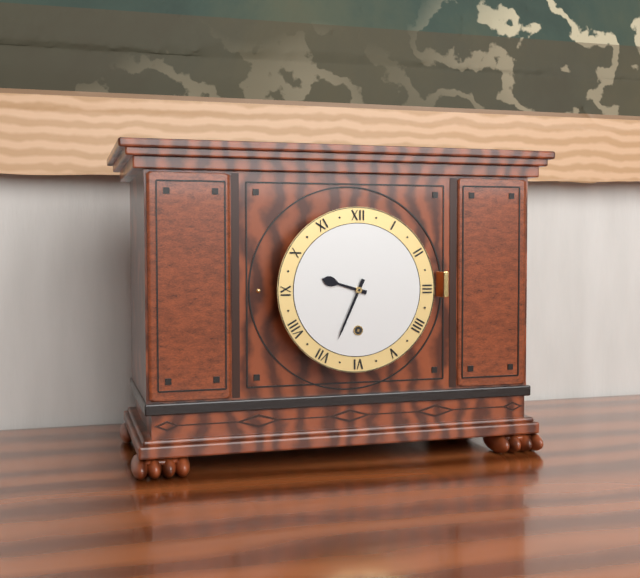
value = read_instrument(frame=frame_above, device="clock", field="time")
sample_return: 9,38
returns 9,34
